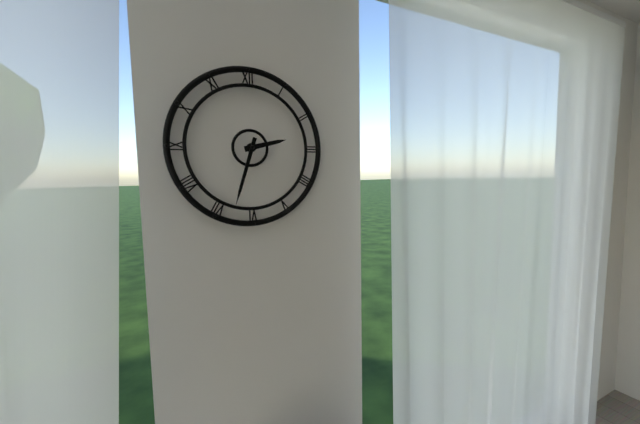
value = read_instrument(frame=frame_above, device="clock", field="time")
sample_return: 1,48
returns 2,33
